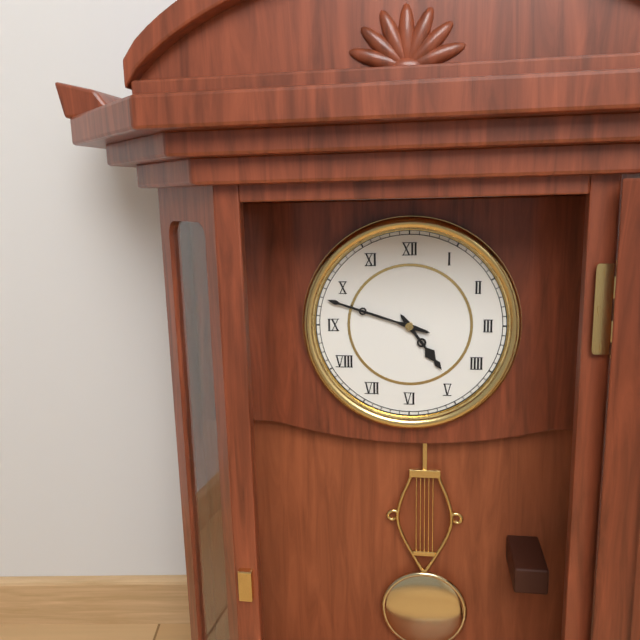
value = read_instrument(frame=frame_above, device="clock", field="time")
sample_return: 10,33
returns 4,48
